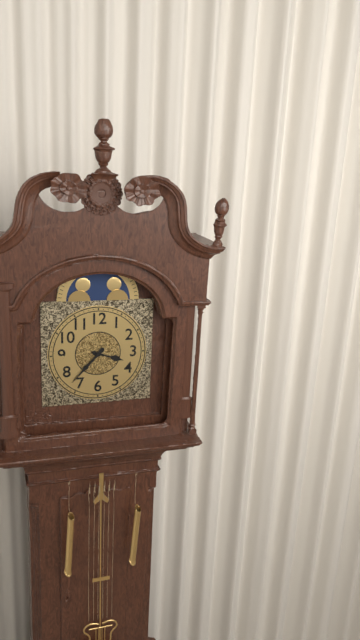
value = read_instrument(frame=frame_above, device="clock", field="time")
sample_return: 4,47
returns 3,37
